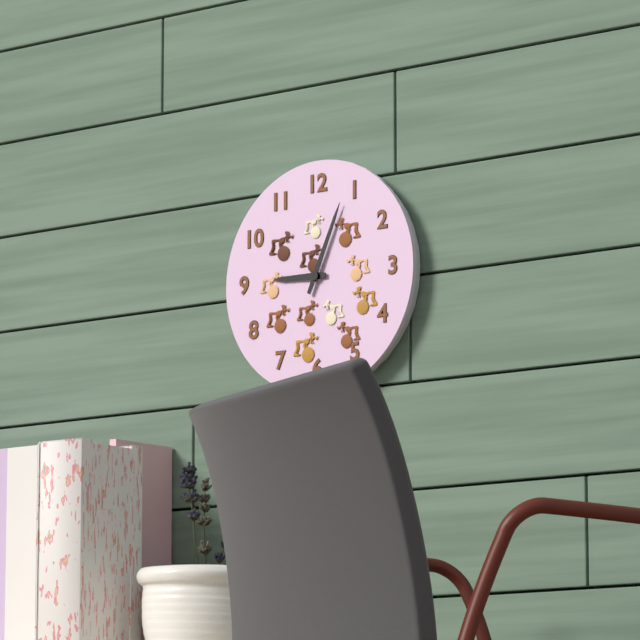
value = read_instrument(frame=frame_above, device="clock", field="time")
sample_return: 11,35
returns 9,04
